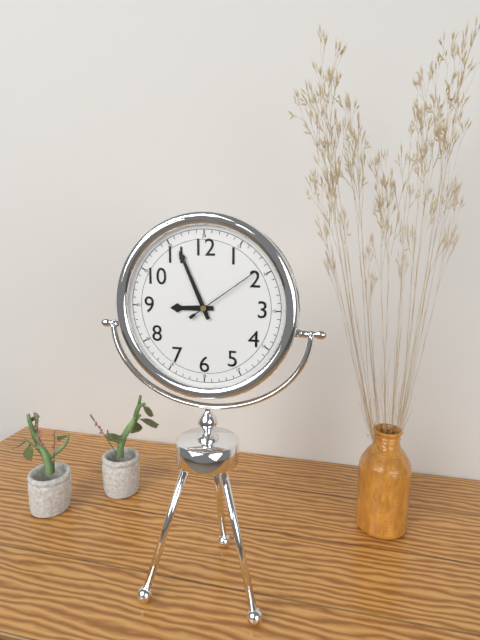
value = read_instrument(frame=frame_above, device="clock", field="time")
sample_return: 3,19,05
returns 8,56,09
